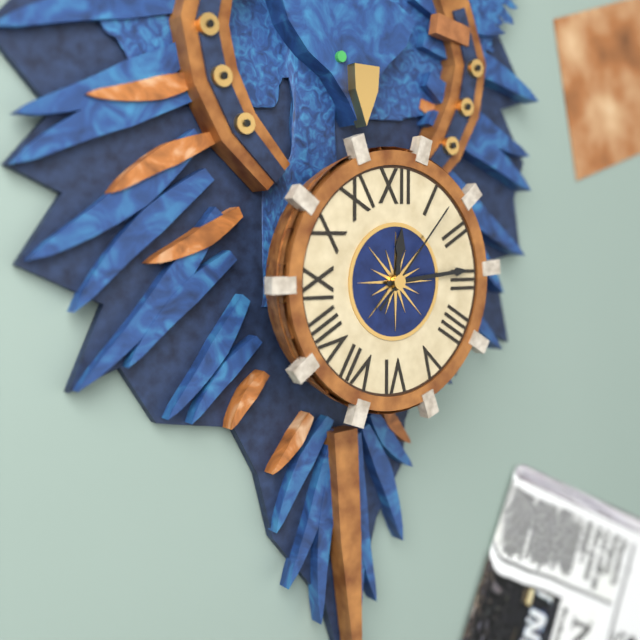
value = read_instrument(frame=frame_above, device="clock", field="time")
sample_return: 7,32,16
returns 12,14,07
